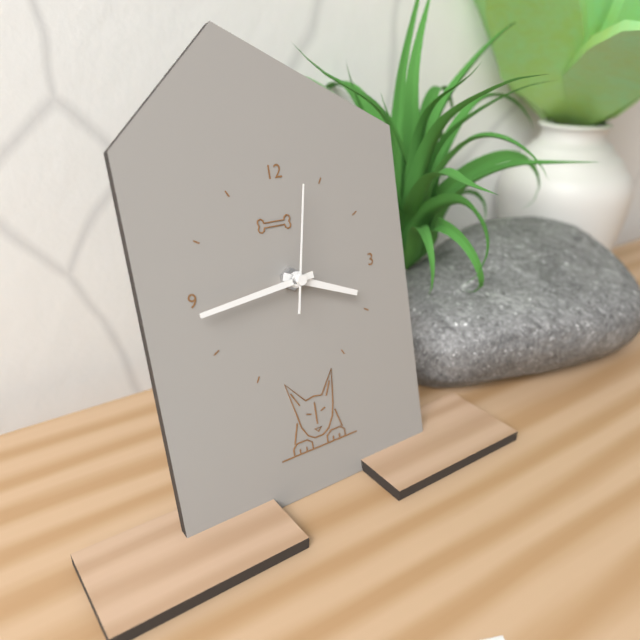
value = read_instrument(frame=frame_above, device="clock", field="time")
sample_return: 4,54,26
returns 3,44,02
